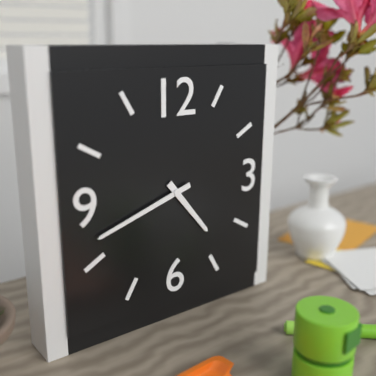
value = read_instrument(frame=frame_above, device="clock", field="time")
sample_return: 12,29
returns 4,42
